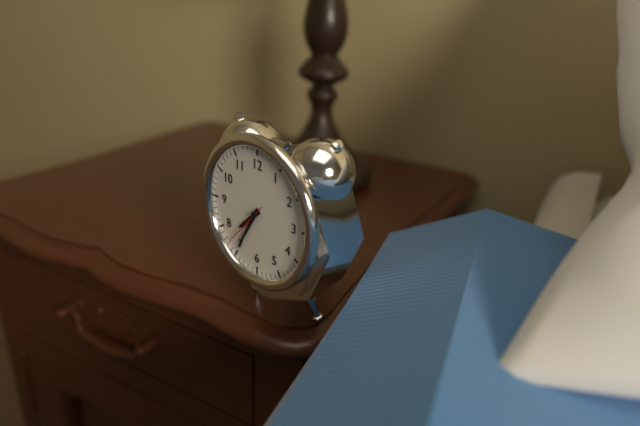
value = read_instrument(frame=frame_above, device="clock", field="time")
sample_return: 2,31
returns 7,35
